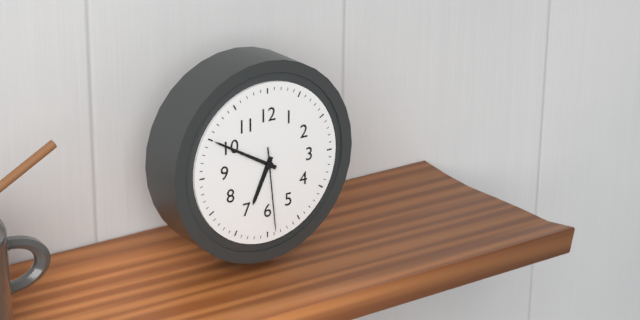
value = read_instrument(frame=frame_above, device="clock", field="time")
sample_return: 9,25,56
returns 6,50,29
